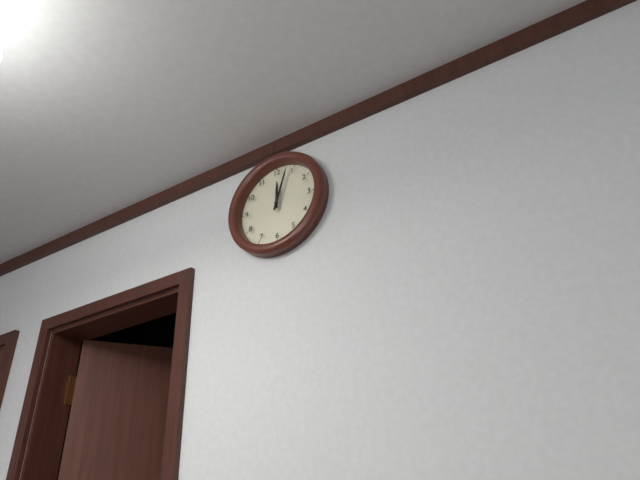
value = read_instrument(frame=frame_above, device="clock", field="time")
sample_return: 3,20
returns 12,03
